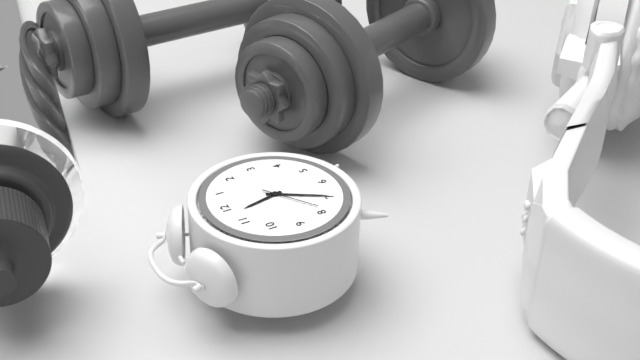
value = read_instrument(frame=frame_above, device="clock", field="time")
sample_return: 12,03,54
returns 11,35,39
